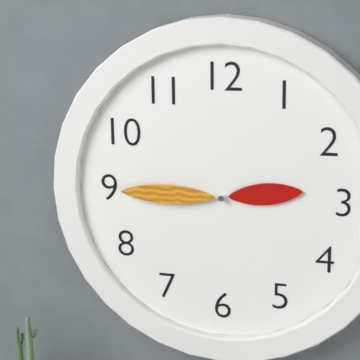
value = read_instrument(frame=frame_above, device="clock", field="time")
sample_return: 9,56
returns 2,45
